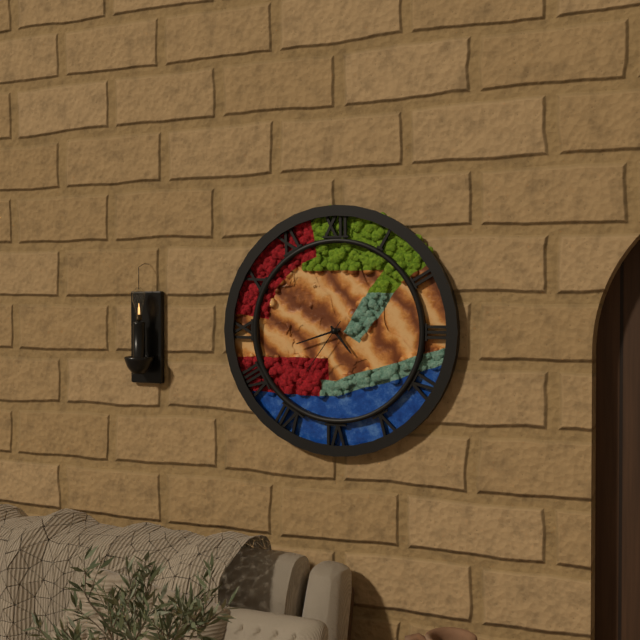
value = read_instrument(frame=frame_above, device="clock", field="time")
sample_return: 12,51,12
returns 4,42,36
